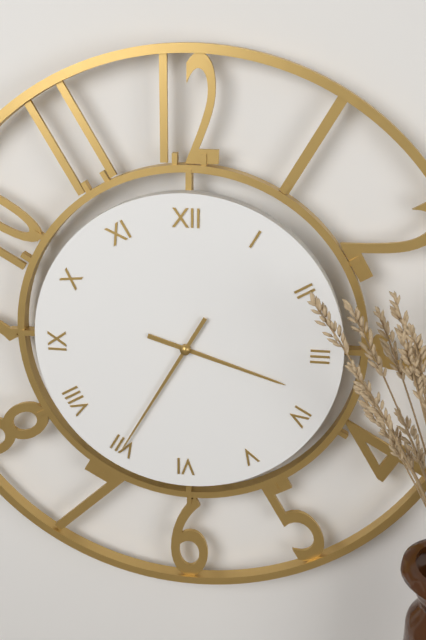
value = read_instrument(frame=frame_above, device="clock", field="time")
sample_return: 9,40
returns 3,35
